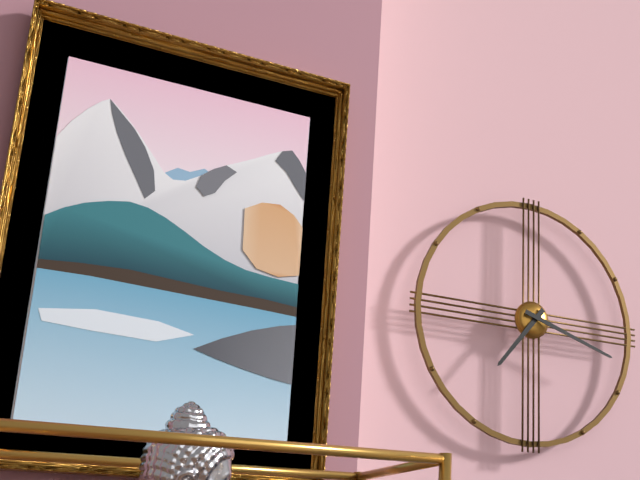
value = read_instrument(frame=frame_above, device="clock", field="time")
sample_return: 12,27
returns 7,18
